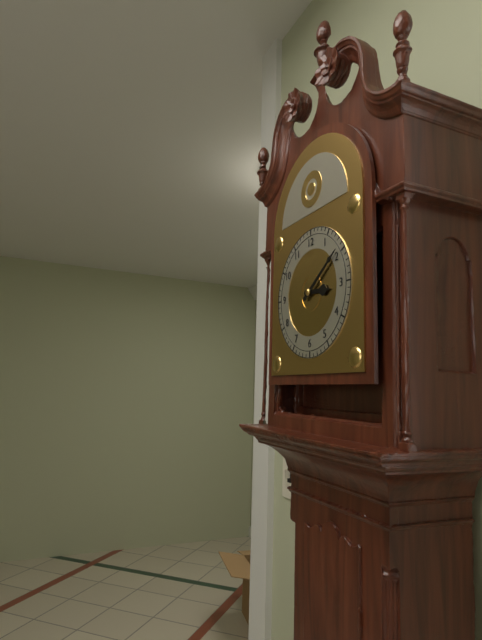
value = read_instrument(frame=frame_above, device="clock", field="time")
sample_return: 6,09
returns 3,09
